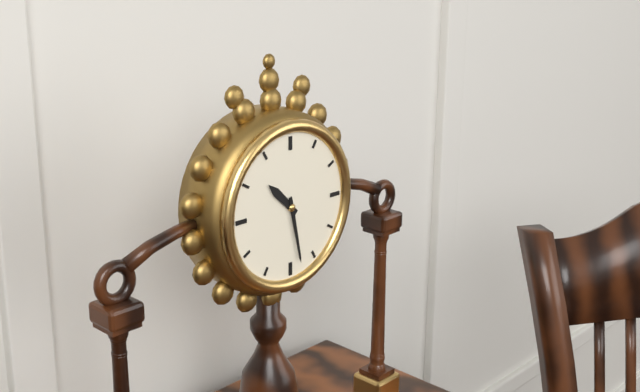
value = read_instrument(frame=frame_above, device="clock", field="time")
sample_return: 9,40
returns 10,28
